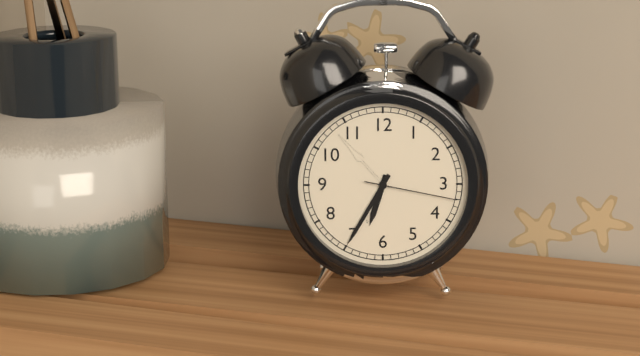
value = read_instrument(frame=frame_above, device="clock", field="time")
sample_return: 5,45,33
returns 6,35,17
